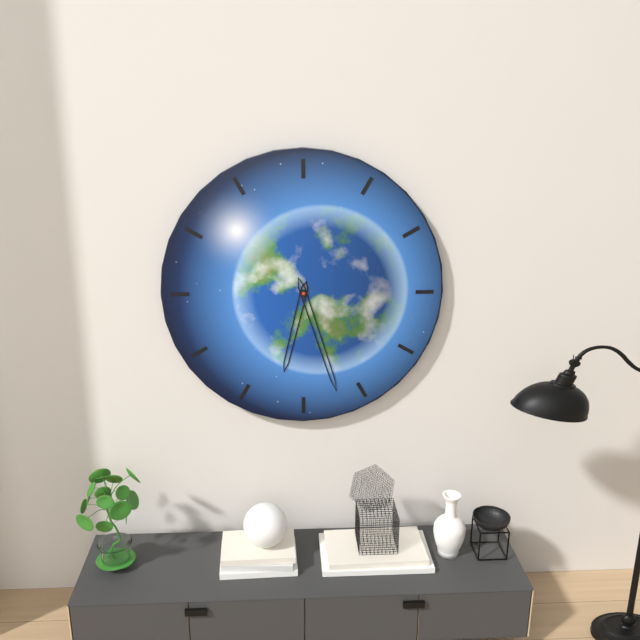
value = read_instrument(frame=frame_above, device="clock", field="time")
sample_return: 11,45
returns 6,27
